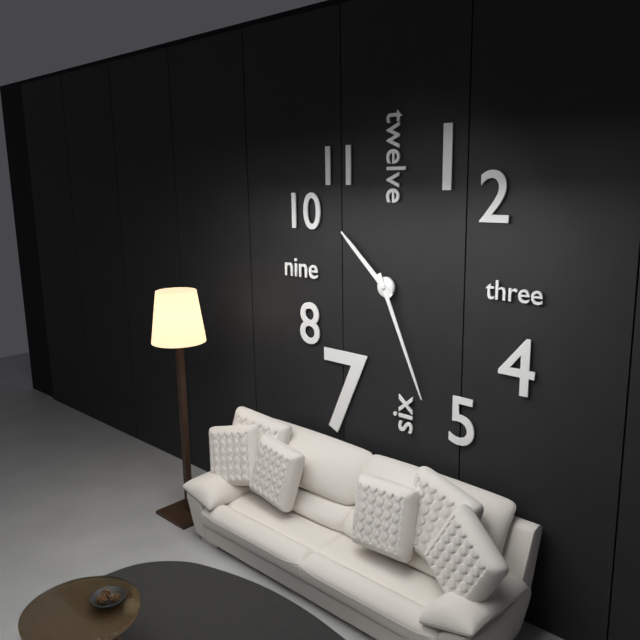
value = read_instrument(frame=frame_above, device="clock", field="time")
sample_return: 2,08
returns 10,26
